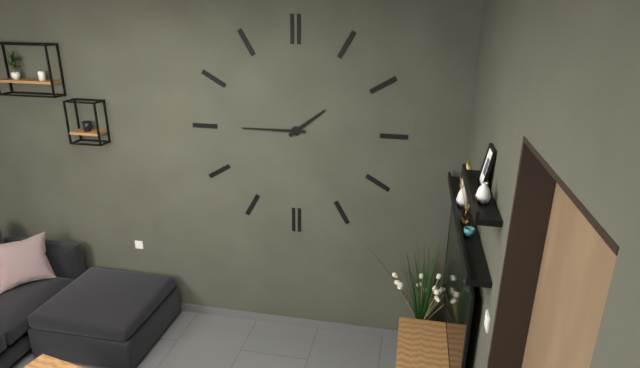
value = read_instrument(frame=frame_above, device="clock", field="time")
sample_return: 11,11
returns 1,45
